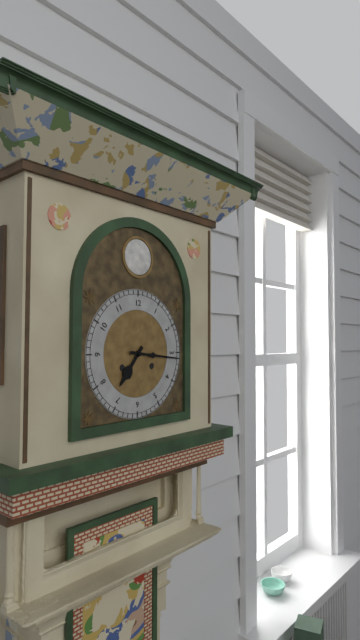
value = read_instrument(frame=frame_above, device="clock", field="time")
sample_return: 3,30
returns 7,16
